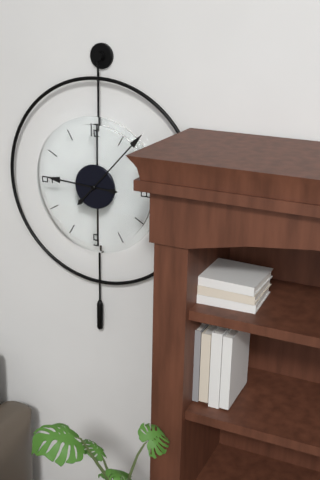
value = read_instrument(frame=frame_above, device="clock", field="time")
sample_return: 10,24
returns 9,07
